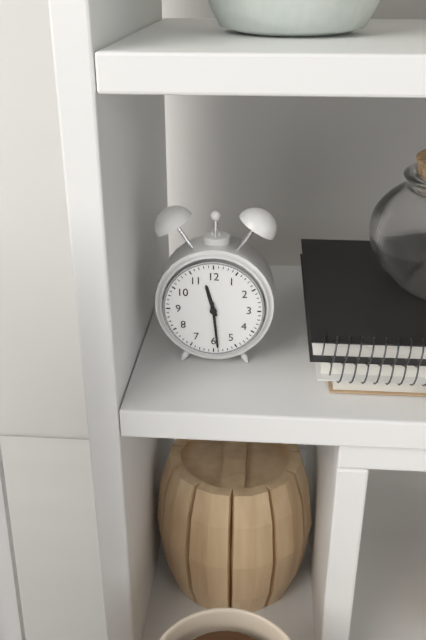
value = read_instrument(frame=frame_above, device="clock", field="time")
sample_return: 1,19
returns 11,29
